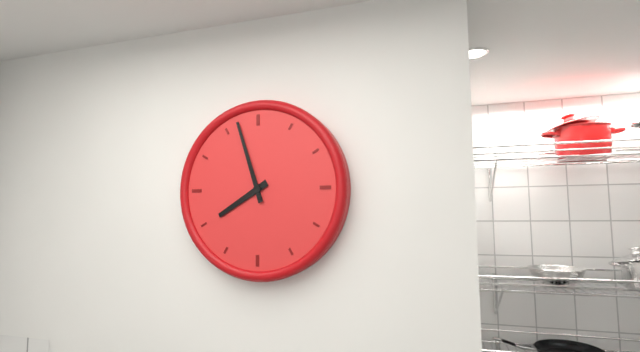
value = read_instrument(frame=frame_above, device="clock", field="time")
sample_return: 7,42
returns 7,57
